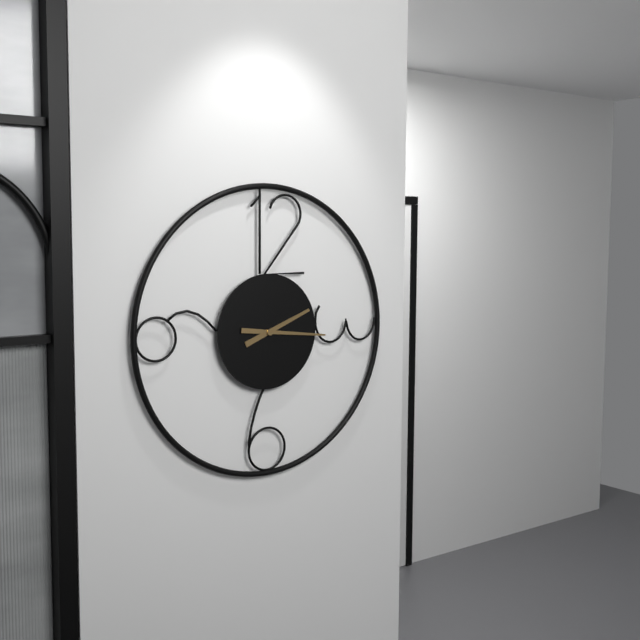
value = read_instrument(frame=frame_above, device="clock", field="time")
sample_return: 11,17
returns 2,16
